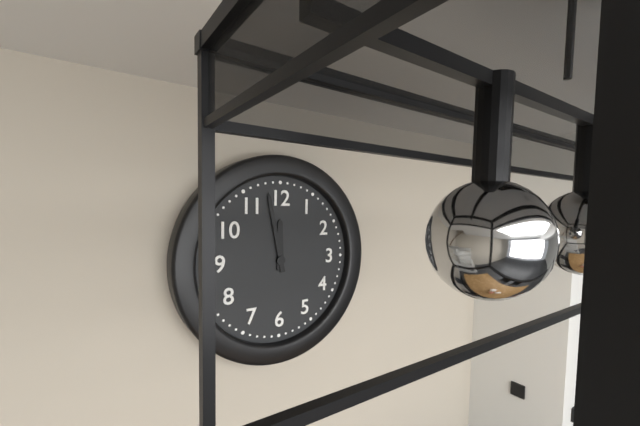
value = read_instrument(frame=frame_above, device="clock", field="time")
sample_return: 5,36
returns 11,58
